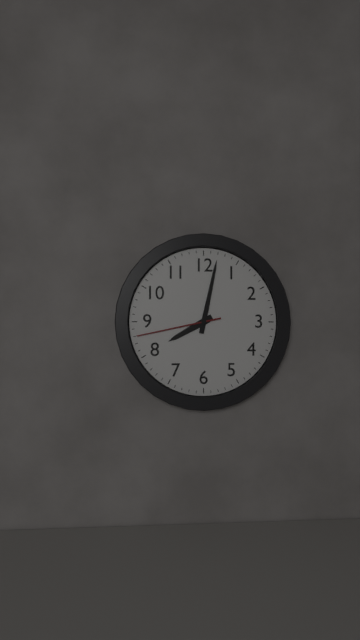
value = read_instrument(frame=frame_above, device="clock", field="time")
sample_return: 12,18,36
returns 8,02,43
